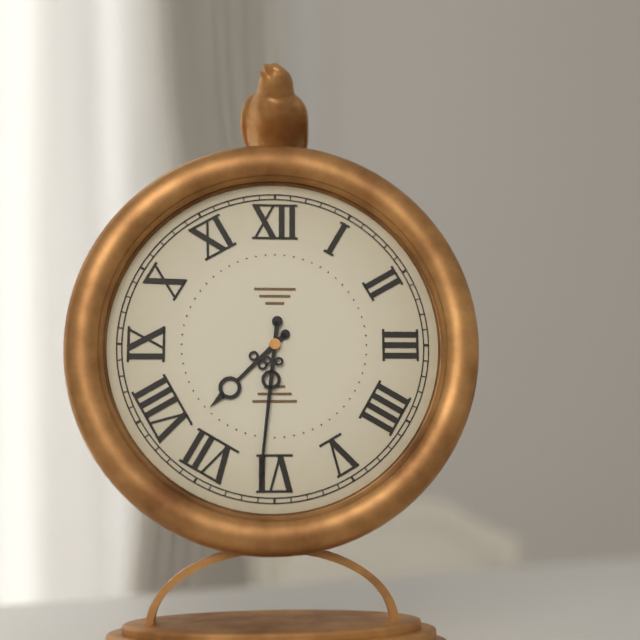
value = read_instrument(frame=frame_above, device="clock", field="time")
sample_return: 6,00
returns 7,31
